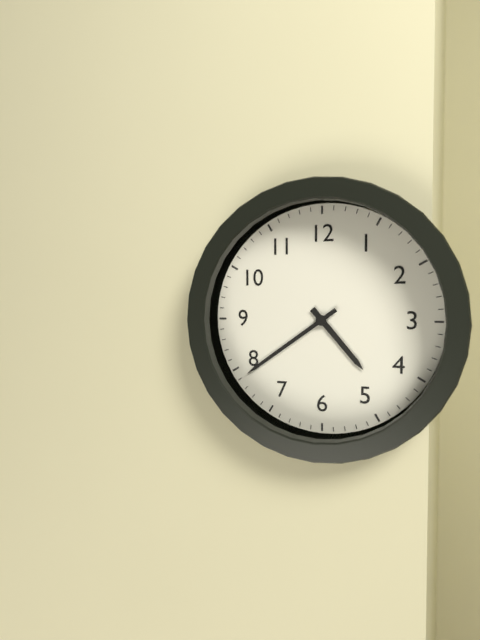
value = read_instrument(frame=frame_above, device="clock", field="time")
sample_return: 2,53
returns 4,39
